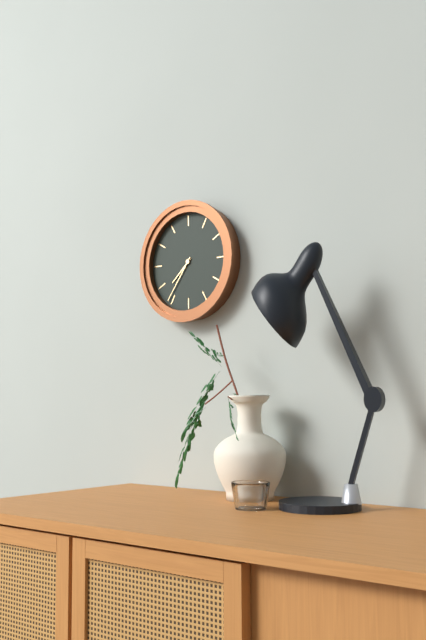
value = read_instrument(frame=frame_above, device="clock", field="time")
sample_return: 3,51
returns 7,36
